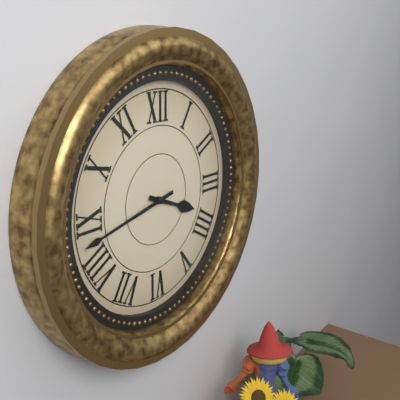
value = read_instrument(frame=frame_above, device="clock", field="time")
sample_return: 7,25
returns 3,43
